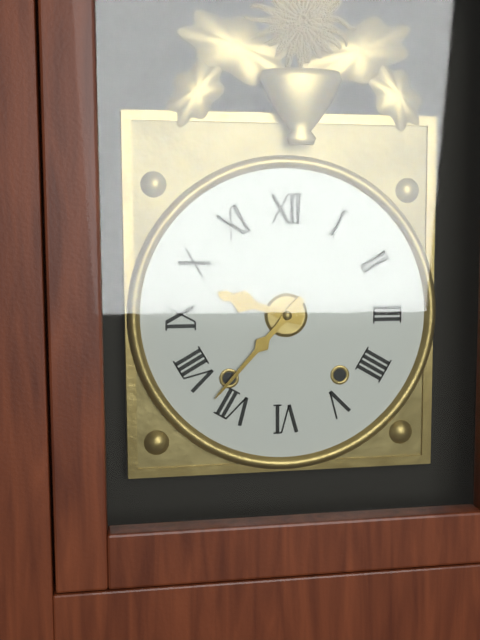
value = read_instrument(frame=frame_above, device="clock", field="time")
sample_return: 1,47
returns 9,37
